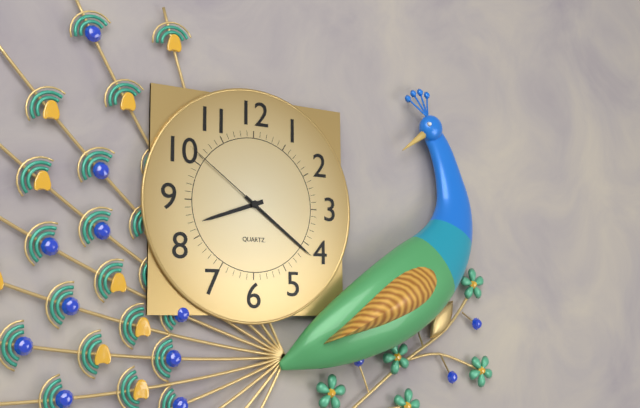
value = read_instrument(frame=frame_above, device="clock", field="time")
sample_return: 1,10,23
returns 8,21,51
